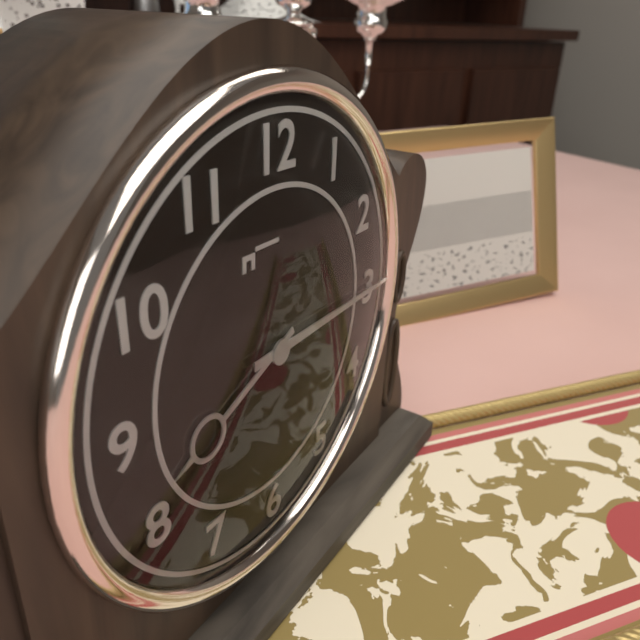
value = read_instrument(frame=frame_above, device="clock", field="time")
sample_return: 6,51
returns 8,15
